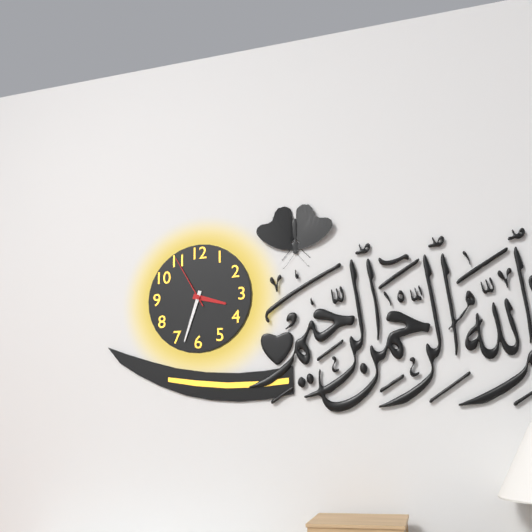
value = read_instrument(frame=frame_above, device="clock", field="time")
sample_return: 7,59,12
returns 3,33,55
